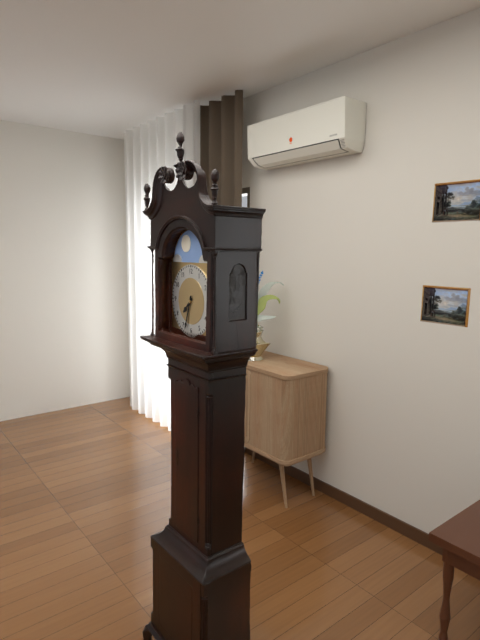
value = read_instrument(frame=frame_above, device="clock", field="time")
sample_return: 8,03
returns 7,33
